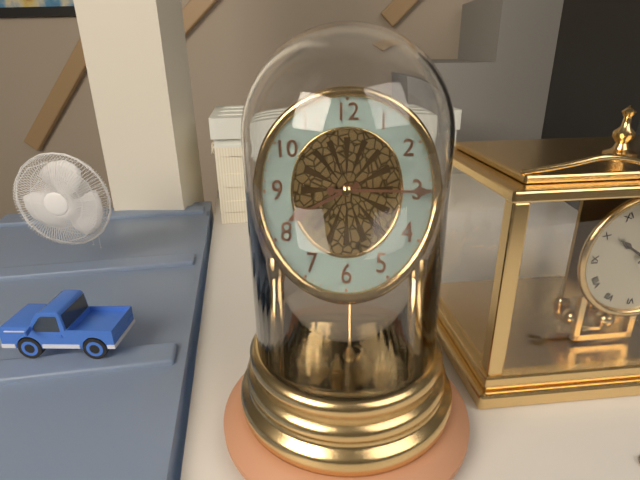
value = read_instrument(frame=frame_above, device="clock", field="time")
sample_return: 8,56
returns 8,15
